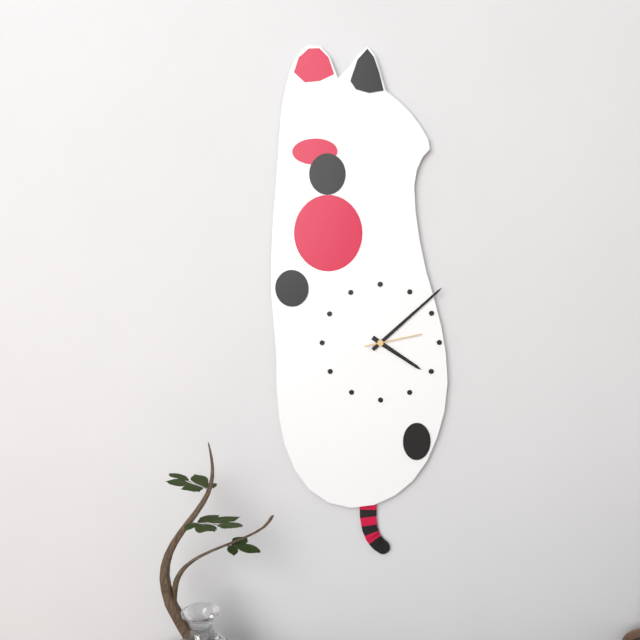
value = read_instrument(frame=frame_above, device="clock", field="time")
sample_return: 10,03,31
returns 4,08,13
